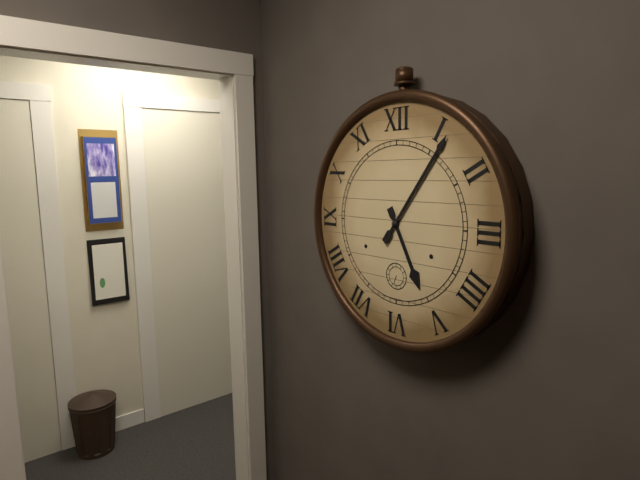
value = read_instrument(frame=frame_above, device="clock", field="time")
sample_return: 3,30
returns 5,06
